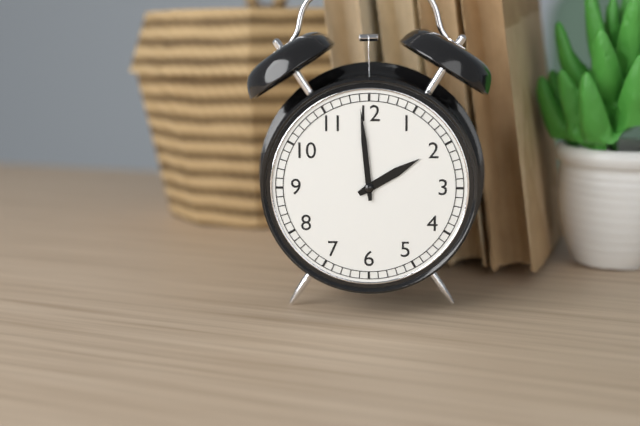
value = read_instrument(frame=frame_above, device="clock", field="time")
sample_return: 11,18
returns 1,59
